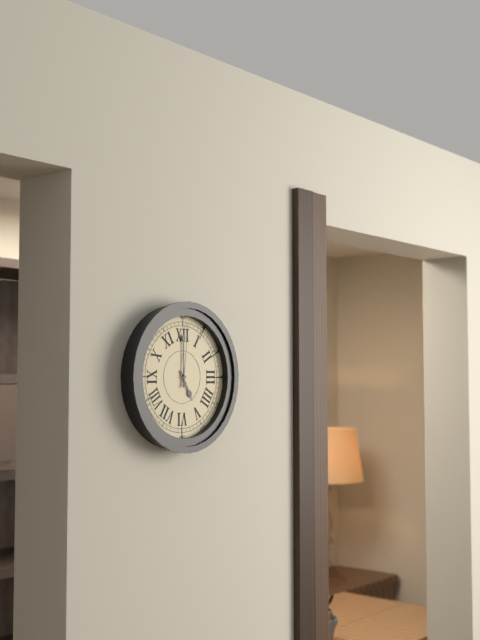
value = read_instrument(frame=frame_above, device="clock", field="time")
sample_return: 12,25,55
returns 5,00,01
